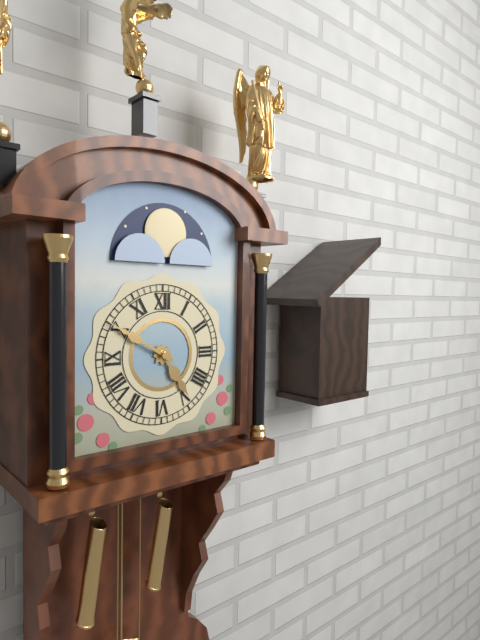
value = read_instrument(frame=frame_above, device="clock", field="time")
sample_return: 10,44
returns 4,50
